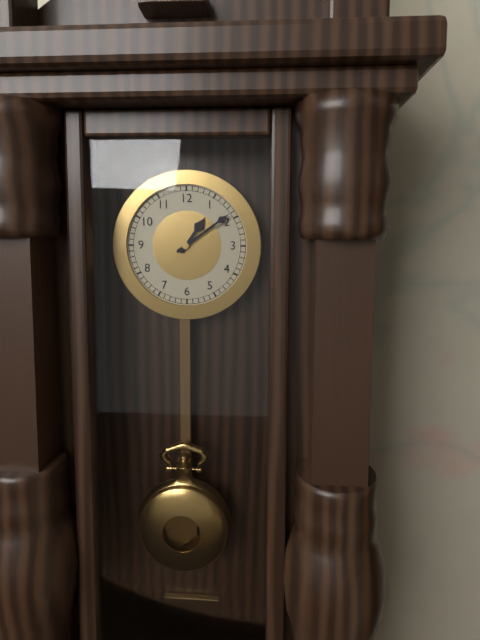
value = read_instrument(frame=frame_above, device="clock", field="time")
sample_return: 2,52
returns 1,09
